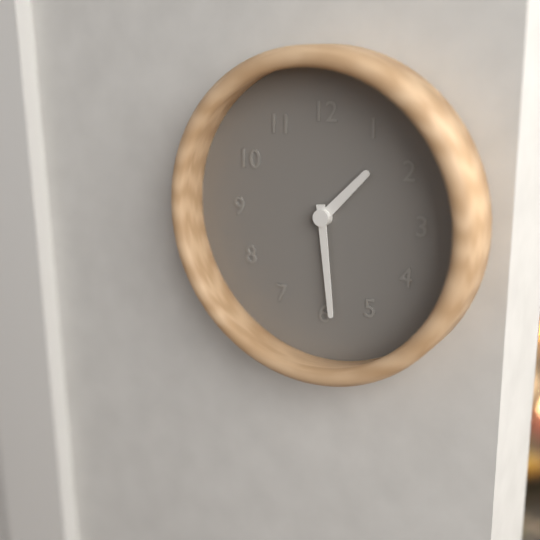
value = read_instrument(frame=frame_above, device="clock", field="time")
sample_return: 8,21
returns 1,29
